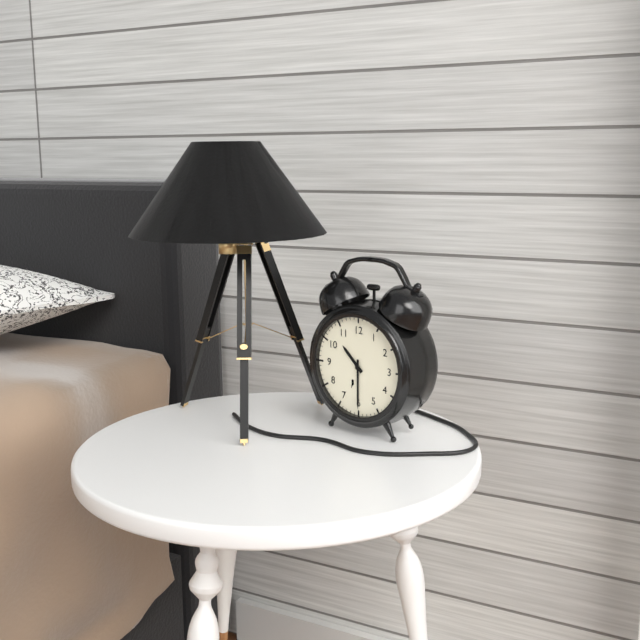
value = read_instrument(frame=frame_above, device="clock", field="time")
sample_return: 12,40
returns 10,30
